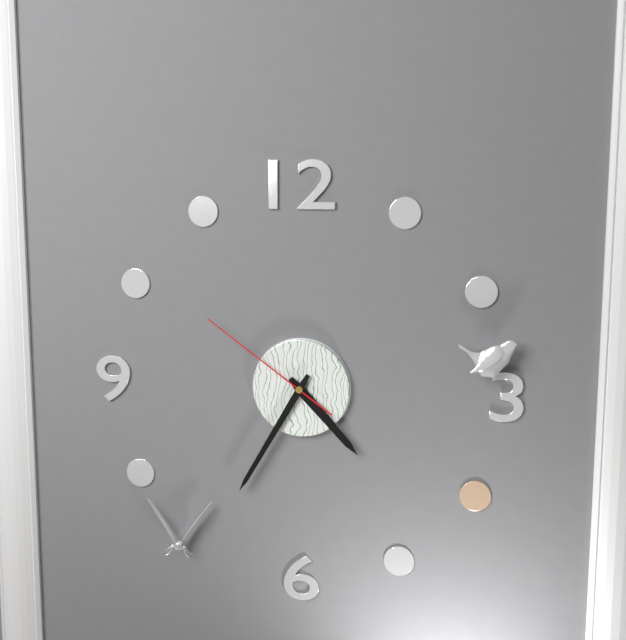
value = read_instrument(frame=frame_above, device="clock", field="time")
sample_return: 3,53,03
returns 4,35,51
